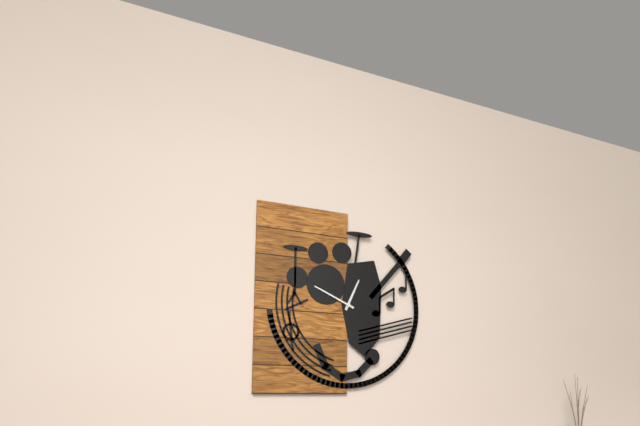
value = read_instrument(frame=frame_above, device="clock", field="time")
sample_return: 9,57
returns 12,49
